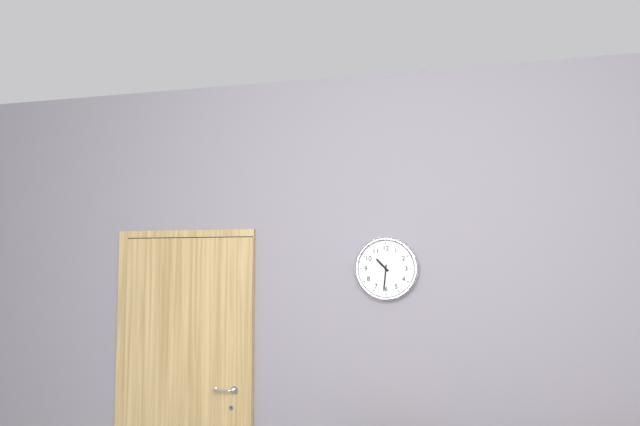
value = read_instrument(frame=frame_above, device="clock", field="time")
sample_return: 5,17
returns 10,31
